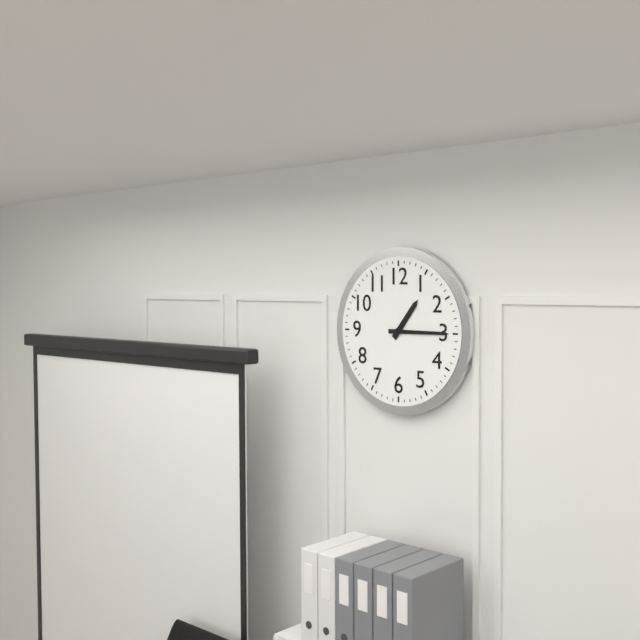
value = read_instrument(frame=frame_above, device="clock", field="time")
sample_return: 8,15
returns 1,15
